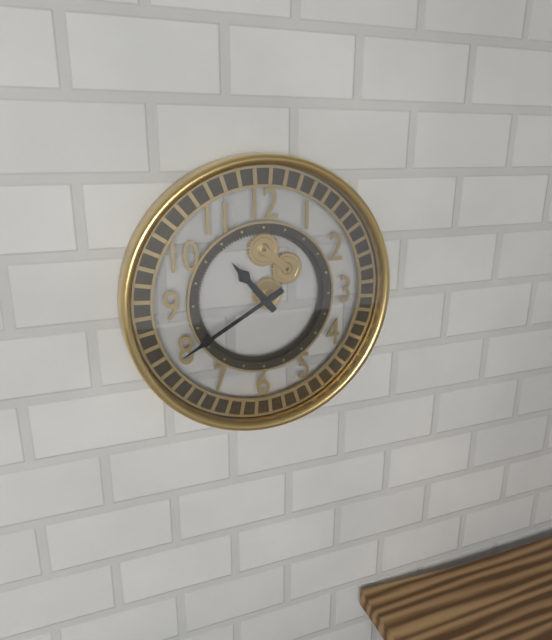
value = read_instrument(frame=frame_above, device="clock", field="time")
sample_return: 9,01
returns 10,40
